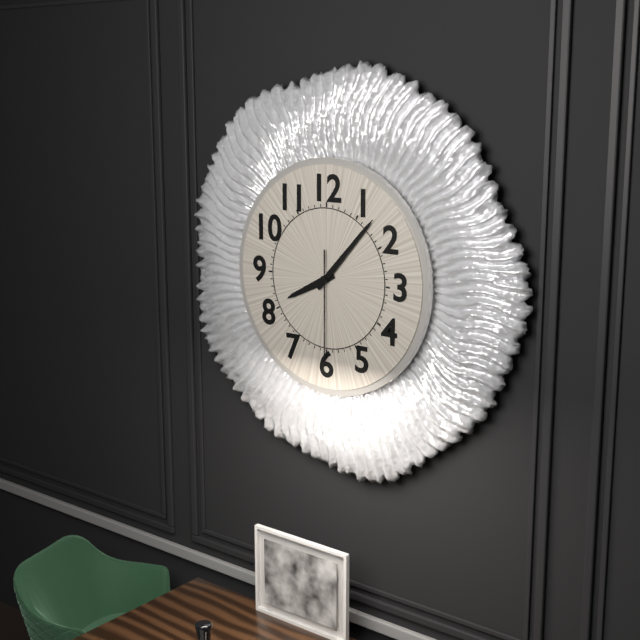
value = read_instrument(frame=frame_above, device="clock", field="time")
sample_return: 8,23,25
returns 8,07,30
